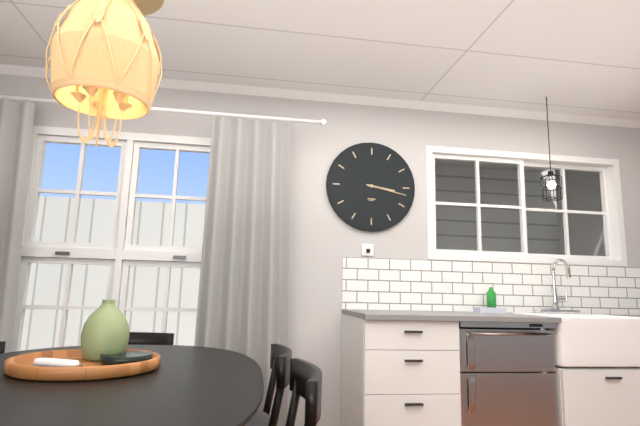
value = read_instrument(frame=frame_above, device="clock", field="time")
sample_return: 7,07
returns 3,17
